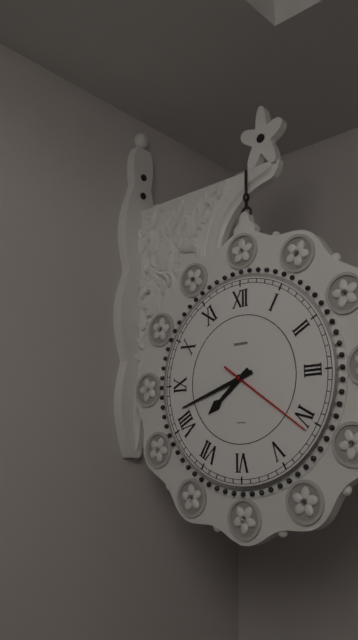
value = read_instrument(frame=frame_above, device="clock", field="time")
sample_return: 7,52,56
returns 7,42,21
